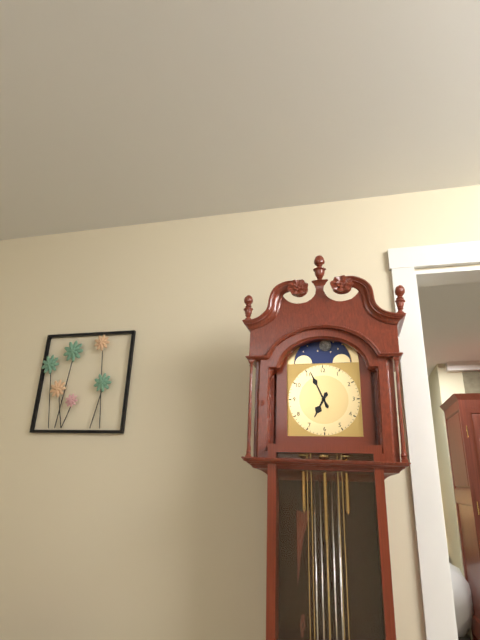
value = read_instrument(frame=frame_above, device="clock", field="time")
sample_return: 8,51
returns 6,56
